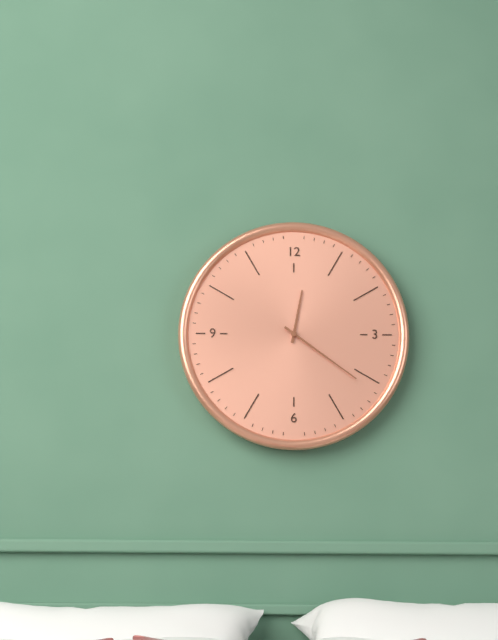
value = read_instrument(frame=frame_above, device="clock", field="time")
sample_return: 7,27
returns 12,21
